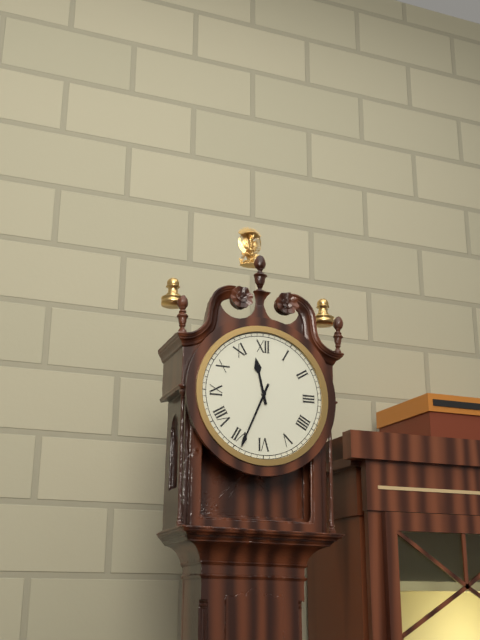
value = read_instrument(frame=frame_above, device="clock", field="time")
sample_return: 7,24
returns 11,34
